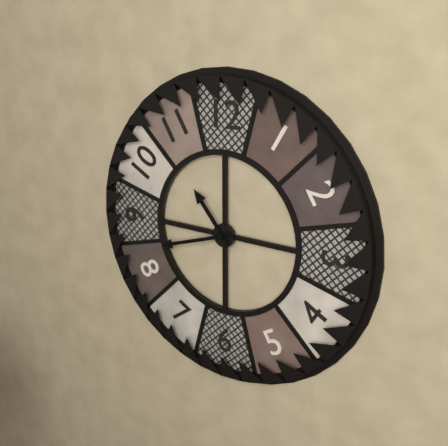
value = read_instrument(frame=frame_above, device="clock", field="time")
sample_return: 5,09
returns 10,42
